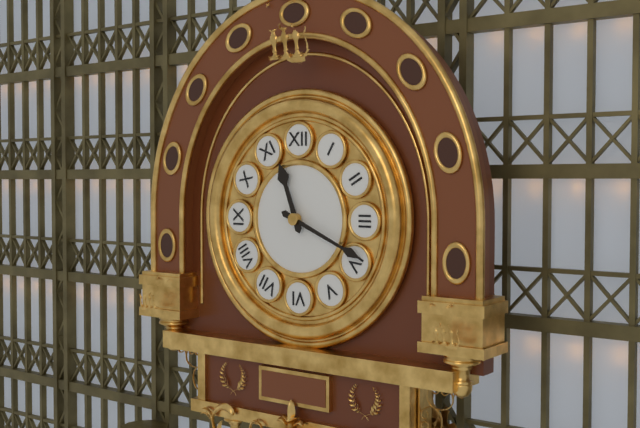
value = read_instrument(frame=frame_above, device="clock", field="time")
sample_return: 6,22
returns 11,19
